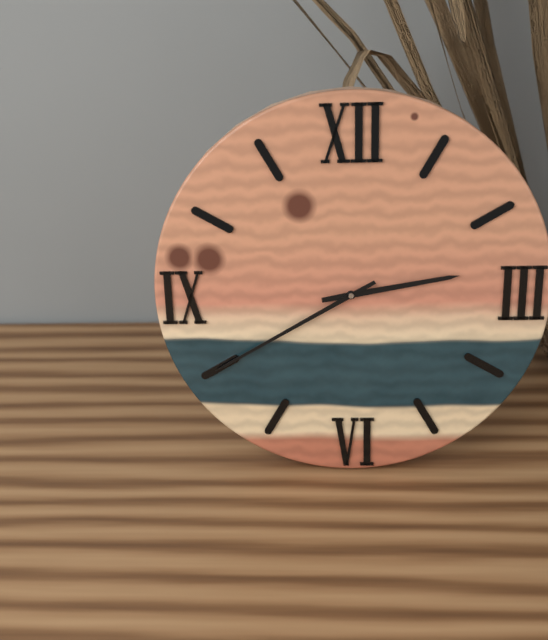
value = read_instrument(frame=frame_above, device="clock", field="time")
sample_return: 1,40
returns 2,40
